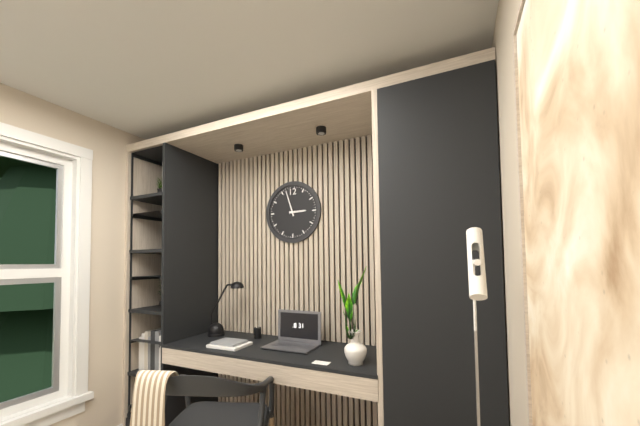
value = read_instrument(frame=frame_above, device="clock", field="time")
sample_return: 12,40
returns 2,57
